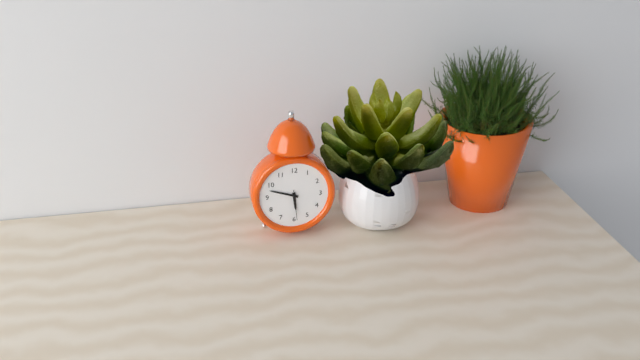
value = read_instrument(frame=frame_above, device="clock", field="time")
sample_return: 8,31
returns 5,48
